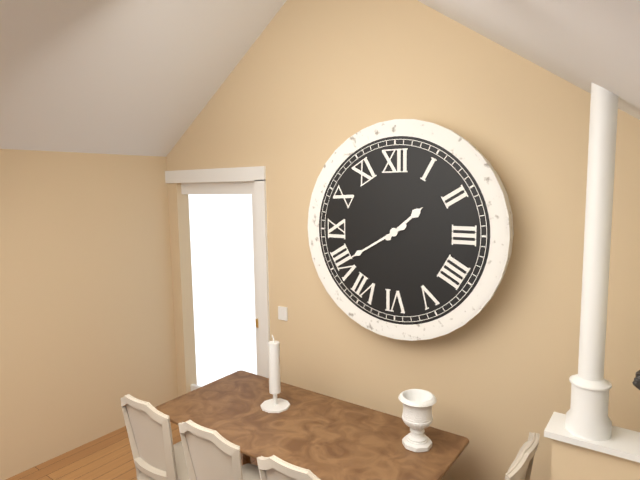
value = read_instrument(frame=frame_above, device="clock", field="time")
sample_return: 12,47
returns 1,40
